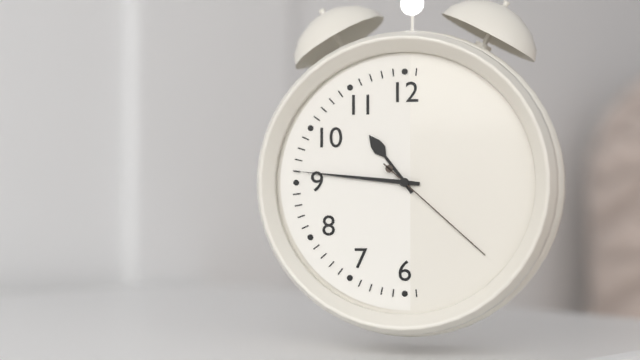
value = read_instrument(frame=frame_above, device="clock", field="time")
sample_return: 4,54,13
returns 10,46,22
